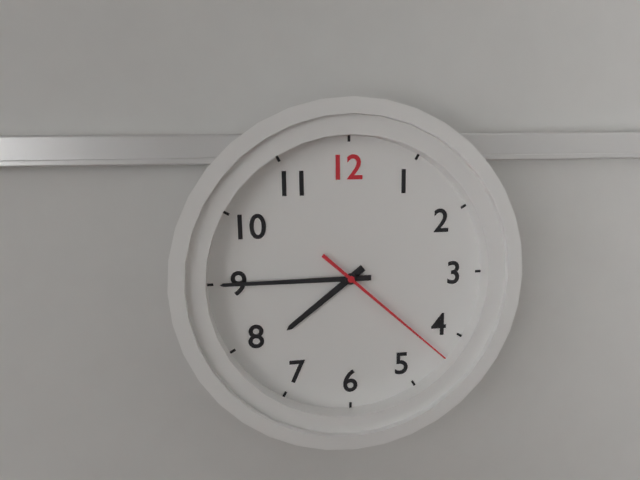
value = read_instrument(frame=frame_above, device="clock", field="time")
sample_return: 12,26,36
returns 7,45,22
